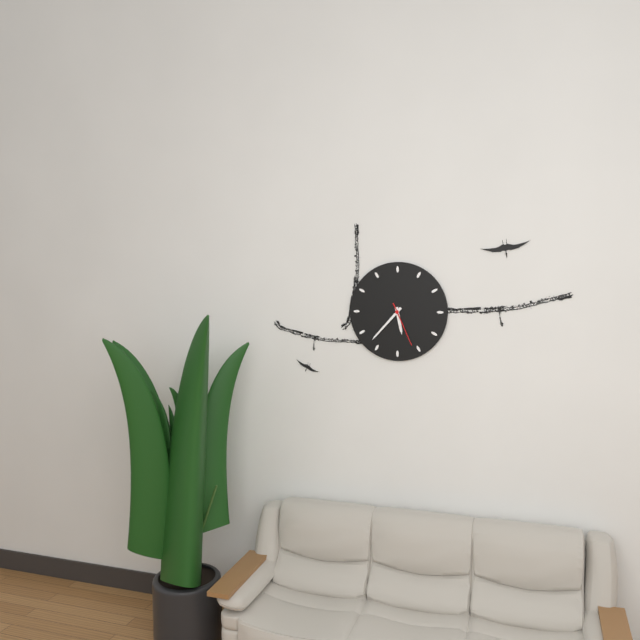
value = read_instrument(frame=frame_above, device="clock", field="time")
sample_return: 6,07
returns 5,37
